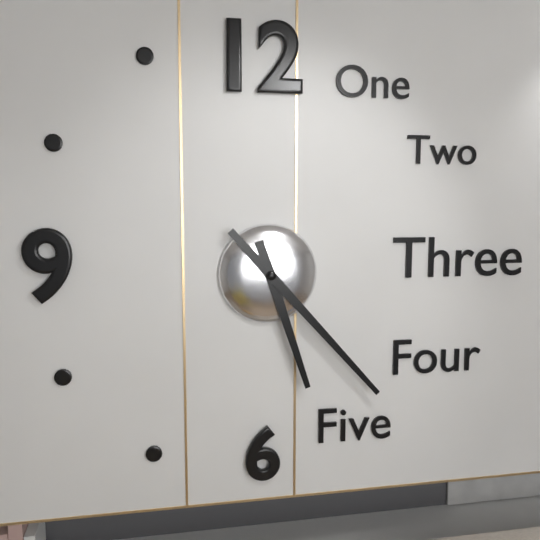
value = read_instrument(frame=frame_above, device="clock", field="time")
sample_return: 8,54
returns 5,23
